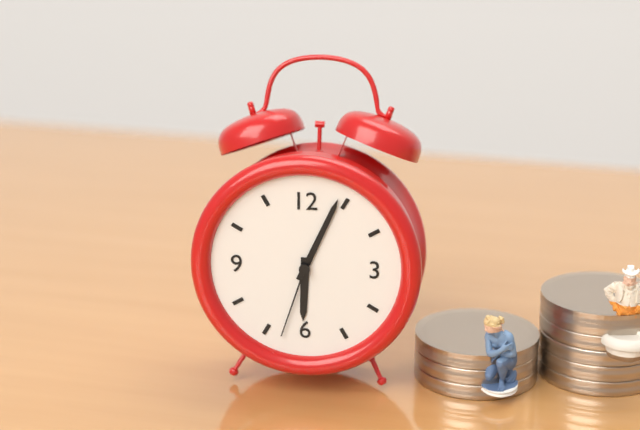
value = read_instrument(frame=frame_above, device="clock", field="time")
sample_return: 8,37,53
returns 6,04,33
